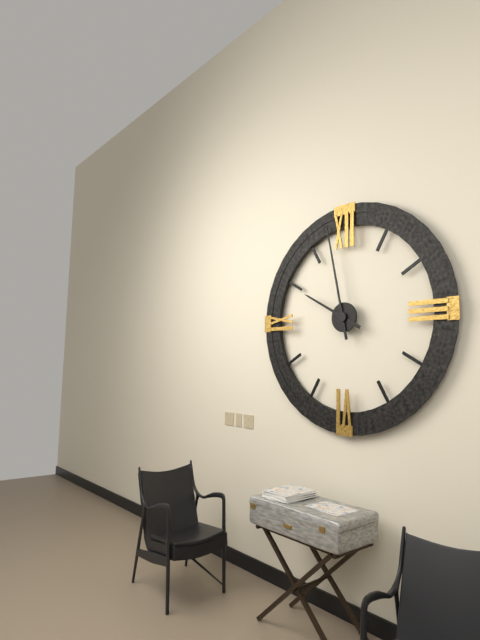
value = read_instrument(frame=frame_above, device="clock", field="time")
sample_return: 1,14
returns 9,58
